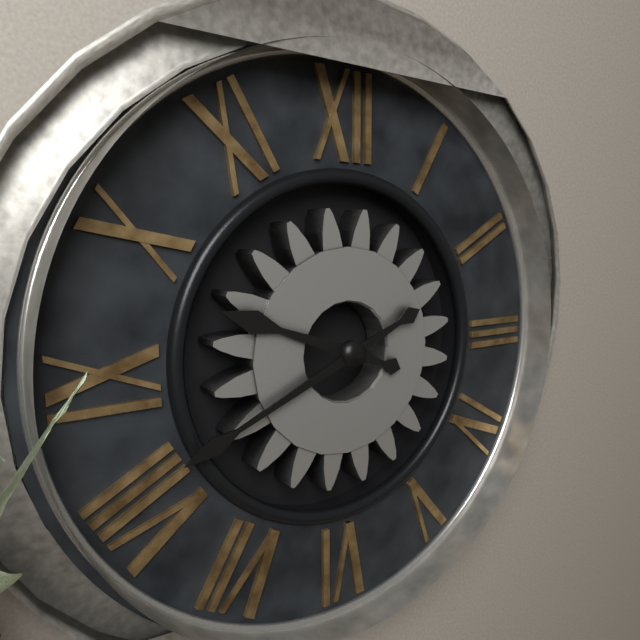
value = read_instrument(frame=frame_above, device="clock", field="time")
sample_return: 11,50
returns 9,41
